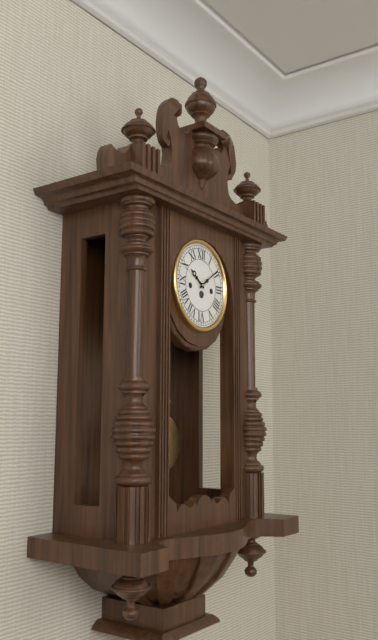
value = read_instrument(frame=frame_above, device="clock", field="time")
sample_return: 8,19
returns 10,09
